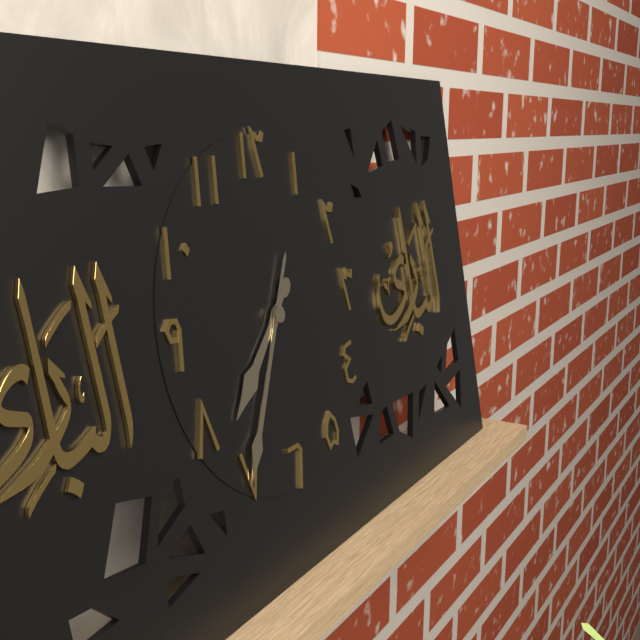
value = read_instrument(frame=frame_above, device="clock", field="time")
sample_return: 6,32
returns 7,35
